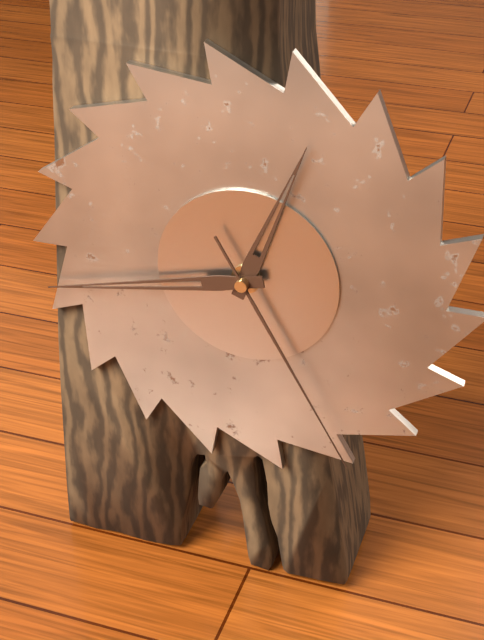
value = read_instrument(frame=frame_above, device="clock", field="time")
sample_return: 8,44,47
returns 12,43,25
